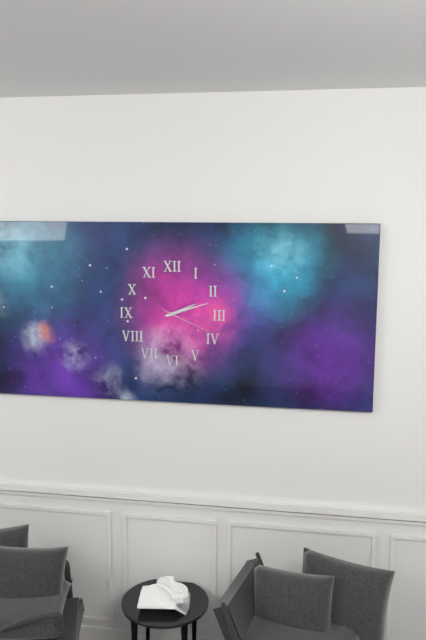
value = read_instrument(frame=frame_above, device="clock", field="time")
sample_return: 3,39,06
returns 2,12,19
